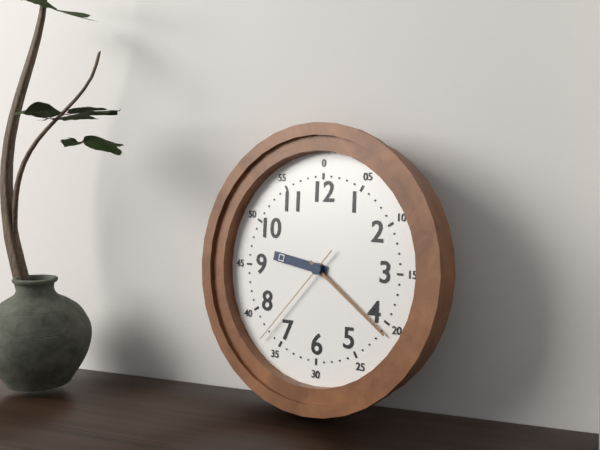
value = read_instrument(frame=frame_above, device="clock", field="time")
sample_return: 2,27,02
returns 9,21,37
